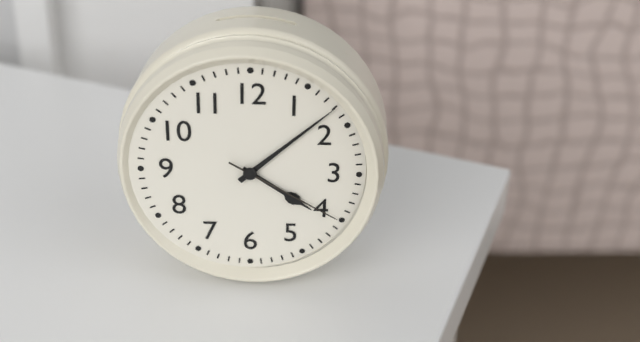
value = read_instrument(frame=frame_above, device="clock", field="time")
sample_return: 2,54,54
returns 4,08,20
